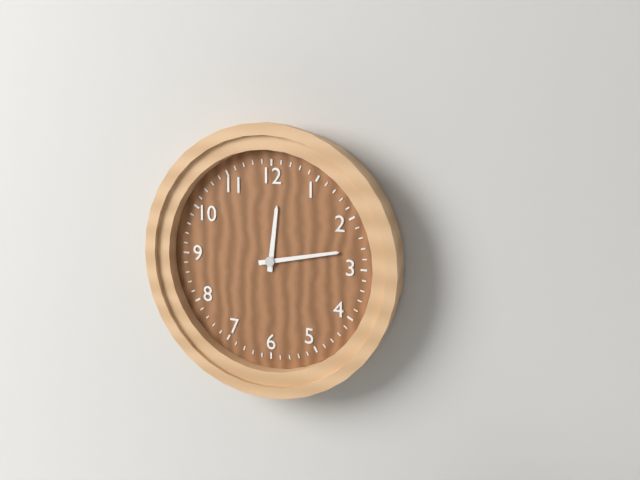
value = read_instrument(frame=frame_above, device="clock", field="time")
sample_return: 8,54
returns 12,13
